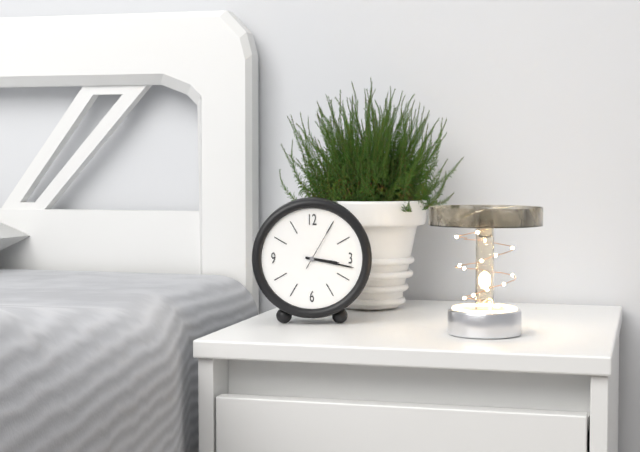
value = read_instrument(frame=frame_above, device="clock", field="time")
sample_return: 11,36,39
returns 3,17,05
